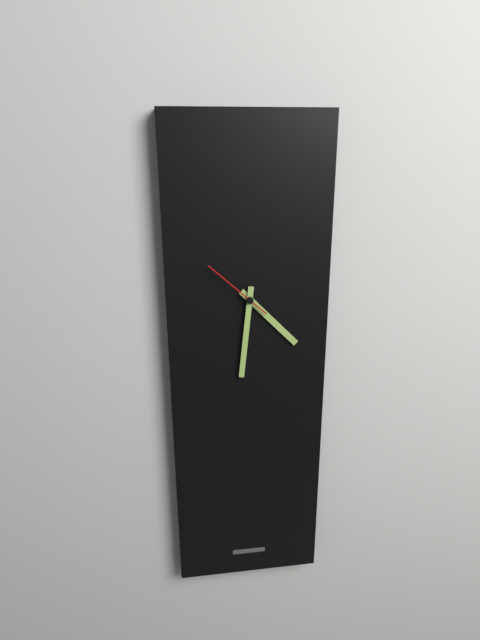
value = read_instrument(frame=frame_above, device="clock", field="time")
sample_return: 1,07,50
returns 4,31,52
